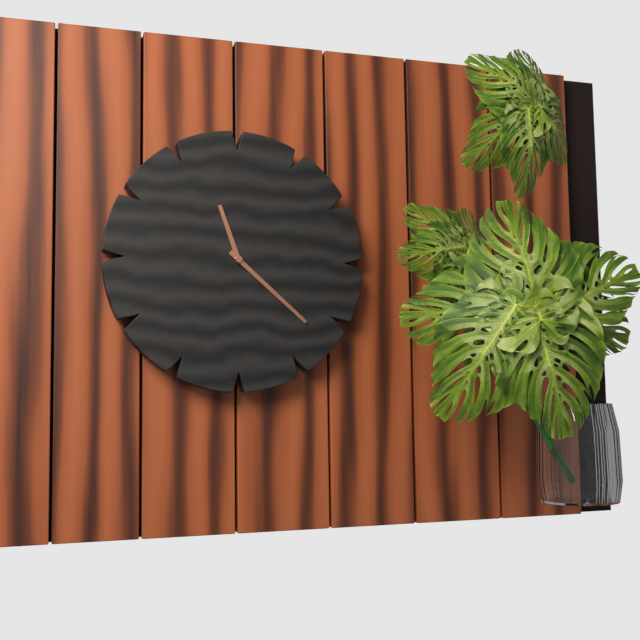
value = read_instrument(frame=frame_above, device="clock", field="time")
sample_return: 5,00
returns 11,22
